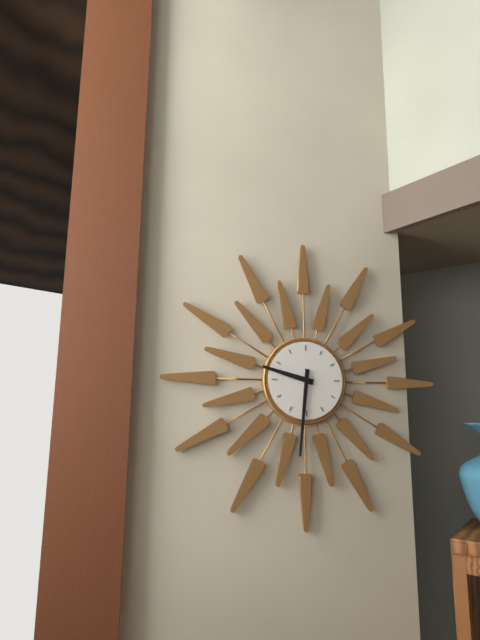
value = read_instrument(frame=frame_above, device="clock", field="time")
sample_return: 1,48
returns 9,31
